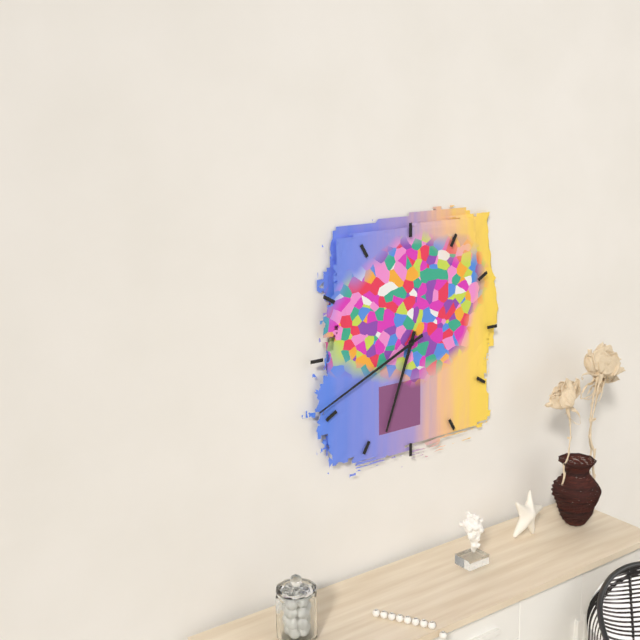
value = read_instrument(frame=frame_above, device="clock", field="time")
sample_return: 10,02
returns 6,41
